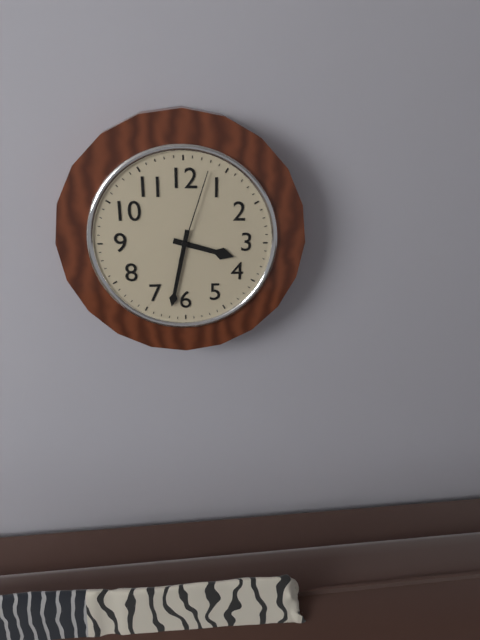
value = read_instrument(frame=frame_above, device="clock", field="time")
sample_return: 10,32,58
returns 3,32,03
